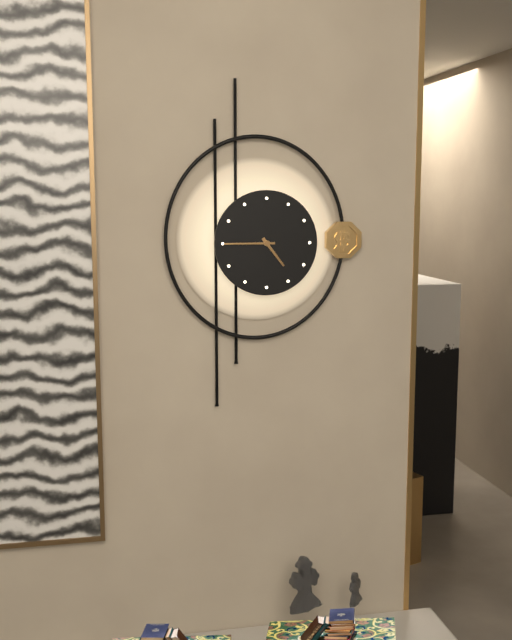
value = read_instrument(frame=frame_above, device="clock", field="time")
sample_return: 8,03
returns 4,45
